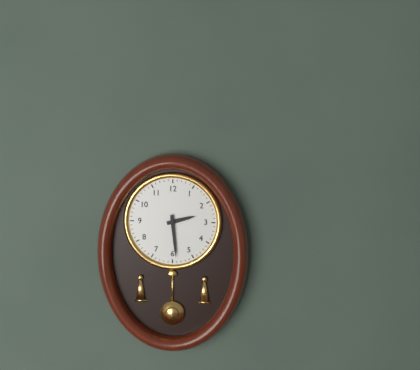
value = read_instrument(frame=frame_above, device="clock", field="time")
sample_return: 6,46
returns 2,29
